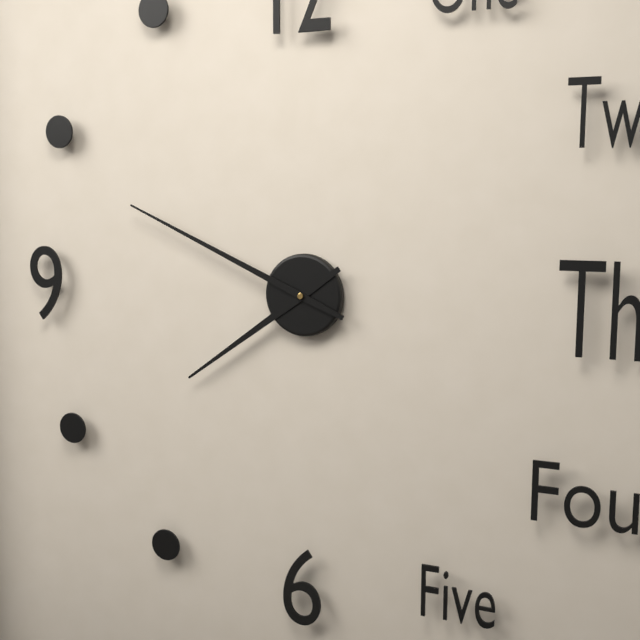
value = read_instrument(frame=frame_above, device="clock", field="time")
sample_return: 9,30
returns 7,49
